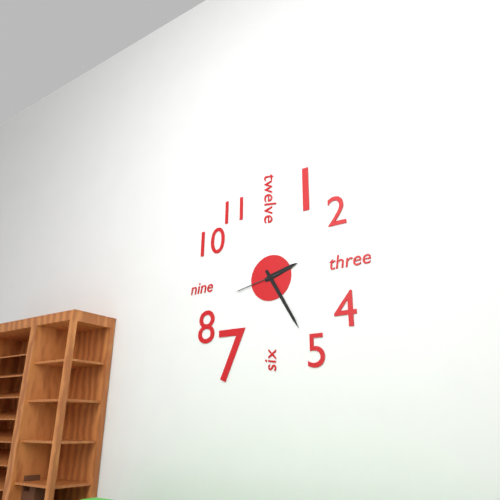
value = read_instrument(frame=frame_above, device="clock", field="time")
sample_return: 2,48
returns 2,25
